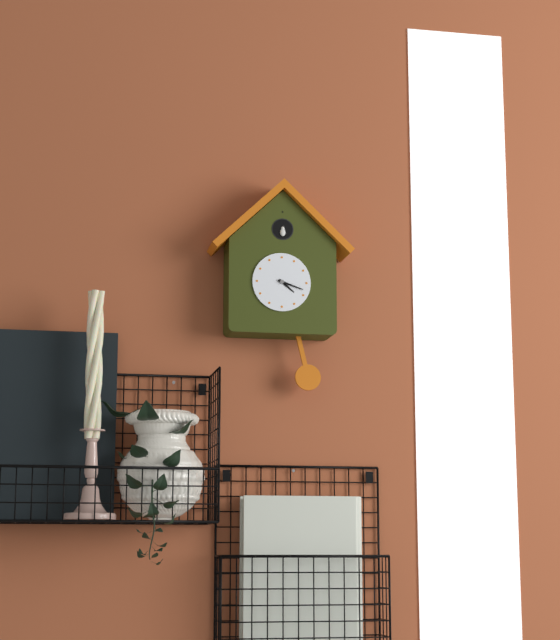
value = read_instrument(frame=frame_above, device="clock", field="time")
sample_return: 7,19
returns 4,18
